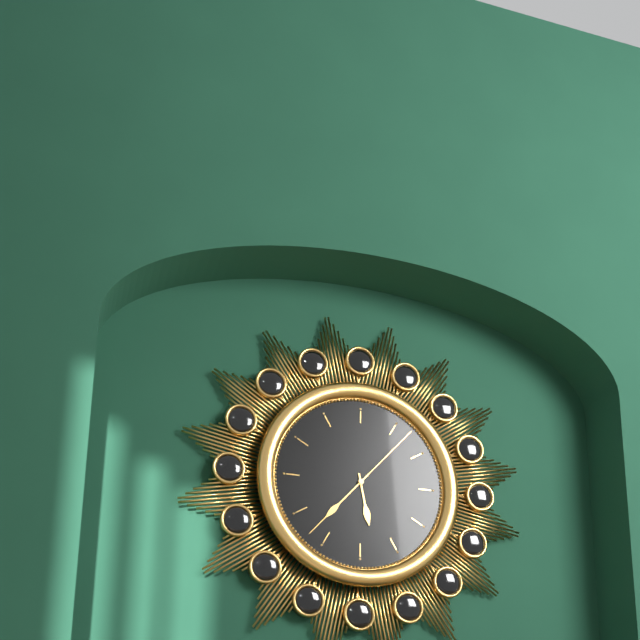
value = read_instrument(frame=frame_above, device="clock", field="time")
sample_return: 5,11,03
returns 5,37,07
